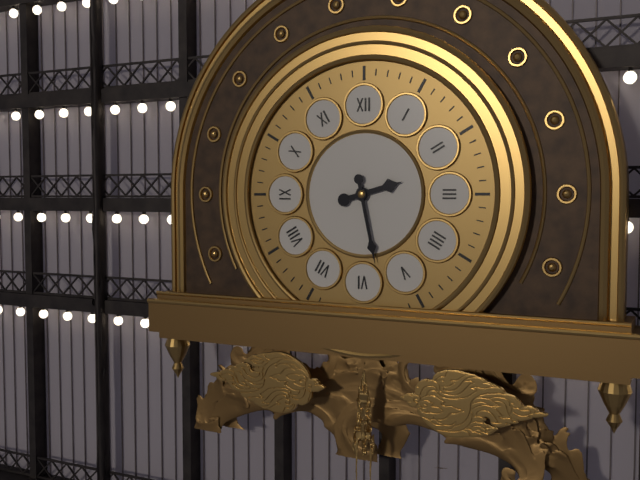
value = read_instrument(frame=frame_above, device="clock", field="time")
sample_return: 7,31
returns 2,28
